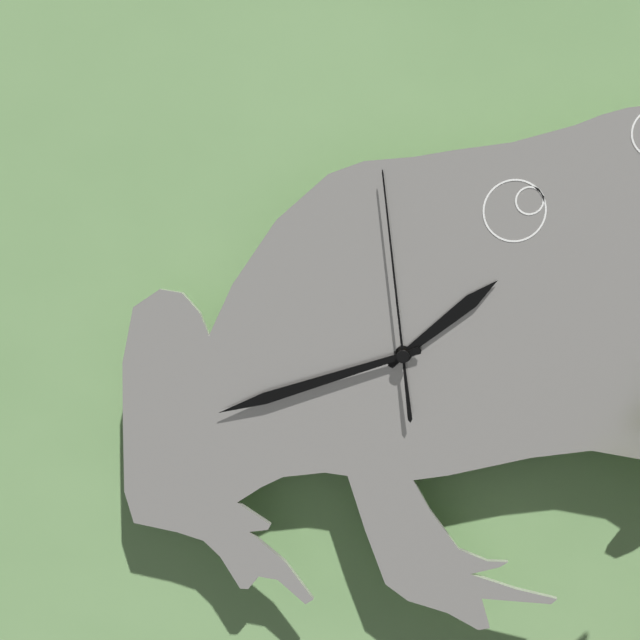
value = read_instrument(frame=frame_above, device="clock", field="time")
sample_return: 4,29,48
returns 1,42,59
